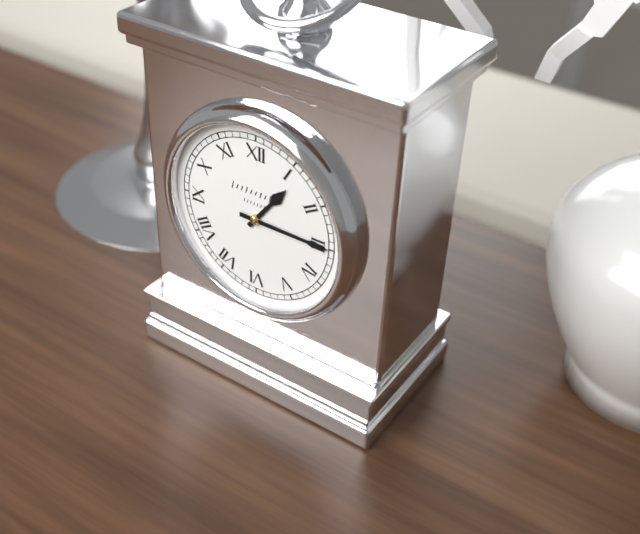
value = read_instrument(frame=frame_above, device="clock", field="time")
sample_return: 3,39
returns 1,15
